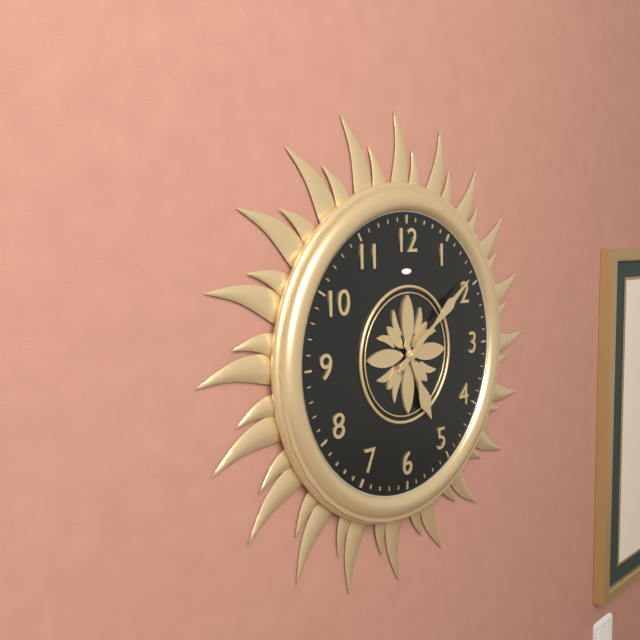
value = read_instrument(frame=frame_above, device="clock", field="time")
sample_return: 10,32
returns 5,09
